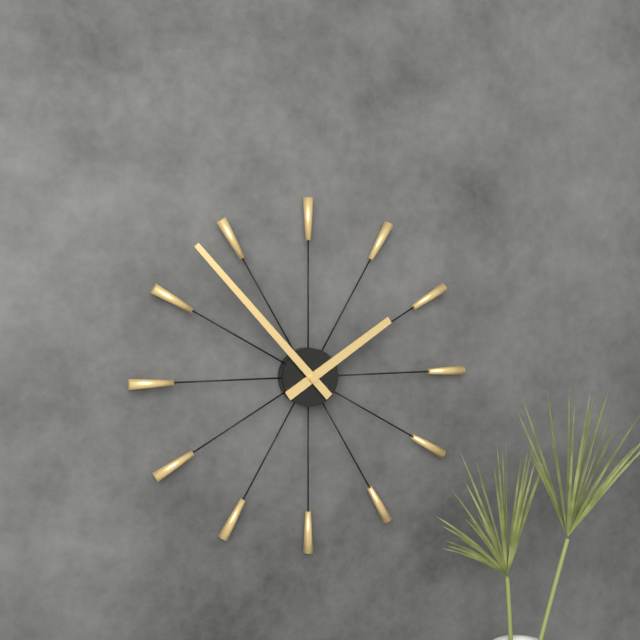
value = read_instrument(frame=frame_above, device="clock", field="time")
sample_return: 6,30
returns 1,53
